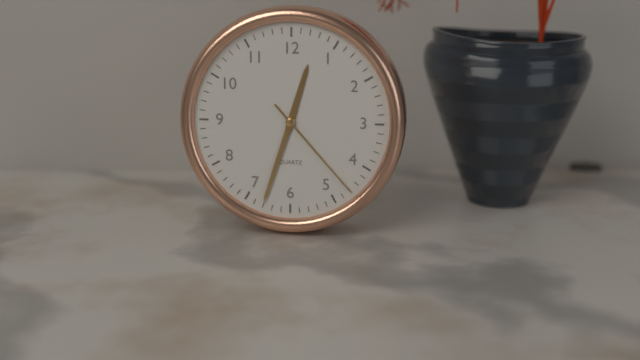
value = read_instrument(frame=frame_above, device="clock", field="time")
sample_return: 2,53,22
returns 12,33,23
